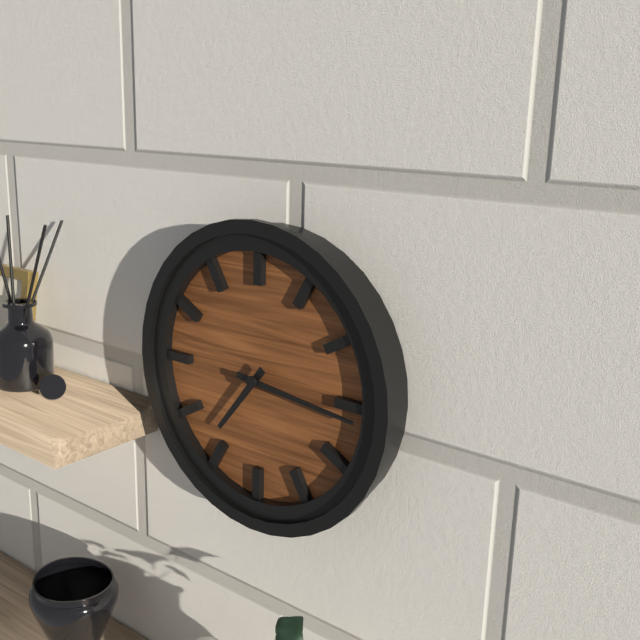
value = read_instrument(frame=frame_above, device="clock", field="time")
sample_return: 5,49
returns 7,16
